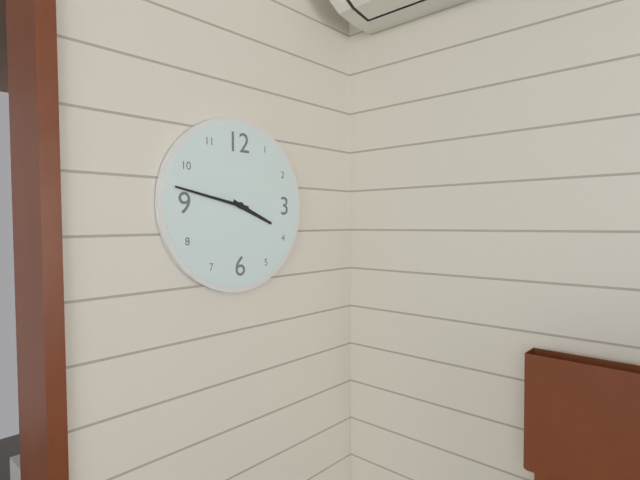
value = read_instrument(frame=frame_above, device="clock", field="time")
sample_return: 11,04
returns 3,47
